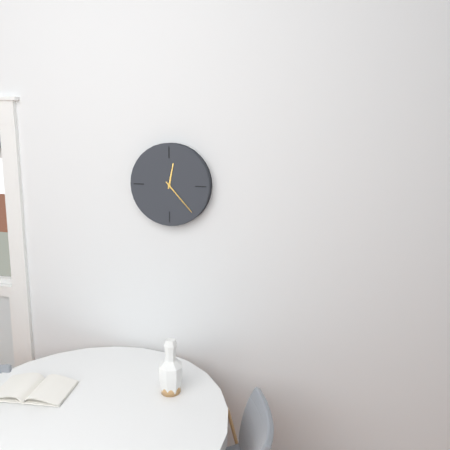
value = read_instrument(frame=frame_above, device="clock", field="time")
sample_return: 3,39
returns 12,23
